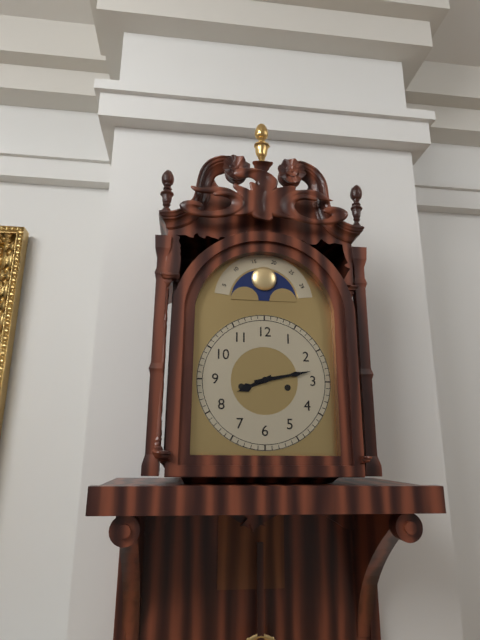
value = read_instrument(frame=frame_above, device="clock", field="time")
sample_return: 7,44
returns 8,13
